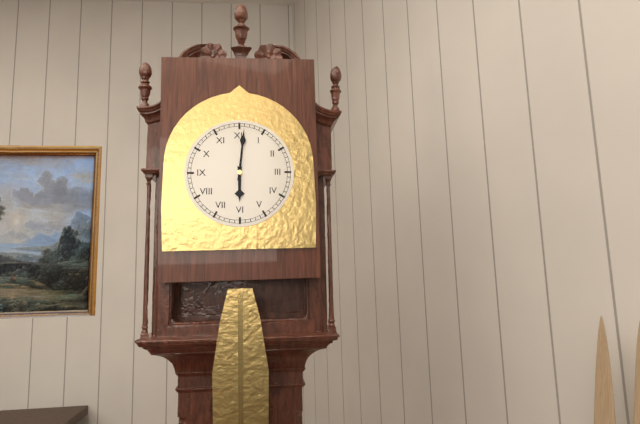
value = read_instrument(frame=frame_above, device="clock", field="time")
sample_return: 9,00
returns 6,01
